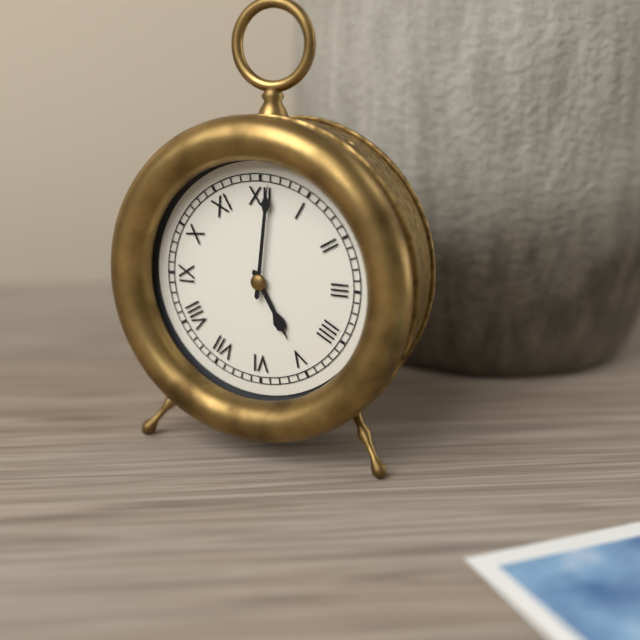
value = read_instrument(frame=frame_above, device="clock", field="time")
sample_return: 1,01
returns 5,01
